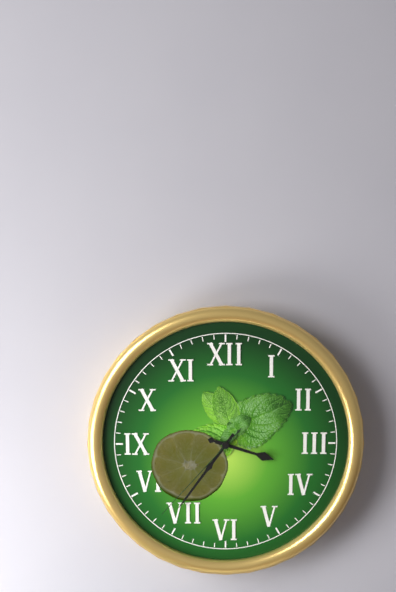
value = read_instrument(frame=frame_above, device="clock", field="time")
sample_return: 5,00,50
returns 3,36,37
